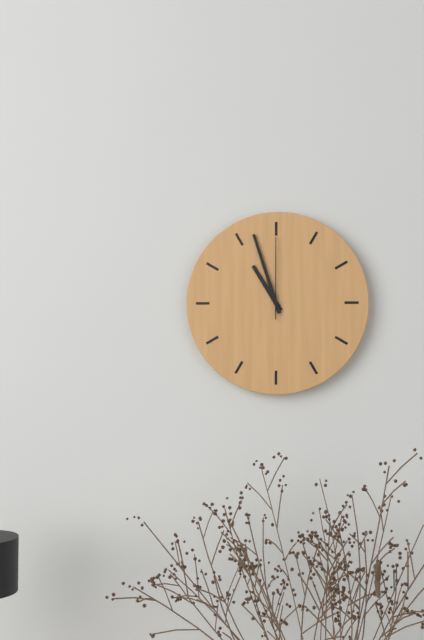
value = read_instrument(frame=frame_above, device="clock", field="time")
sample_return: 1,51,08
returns 10,57,00
